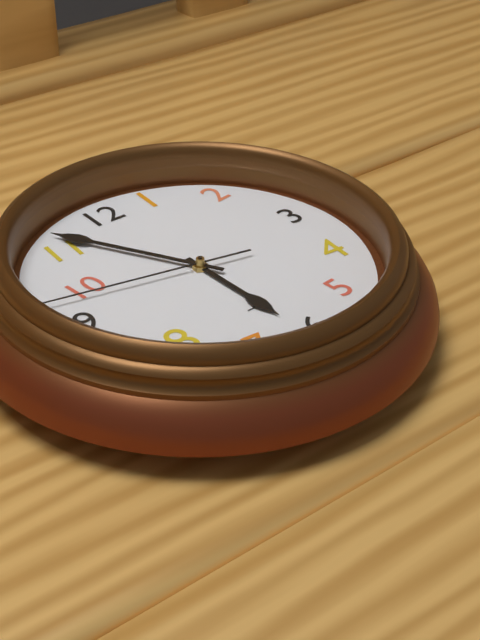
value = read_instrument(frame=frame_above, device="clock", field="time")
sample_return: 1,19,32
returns 5,55,47
